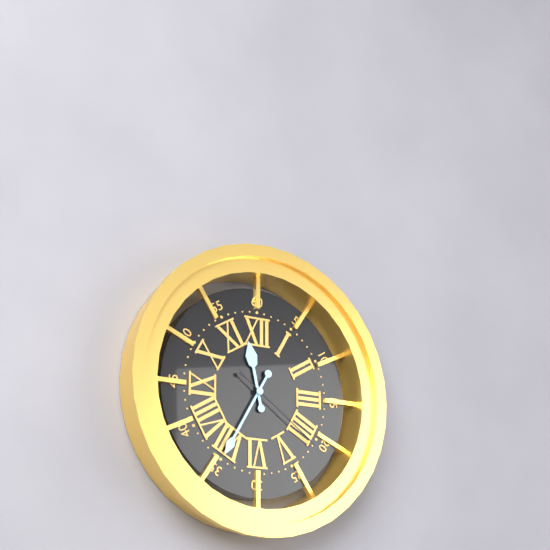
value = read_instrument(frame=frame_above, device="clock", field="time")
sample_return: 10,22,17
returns 11,35,21
